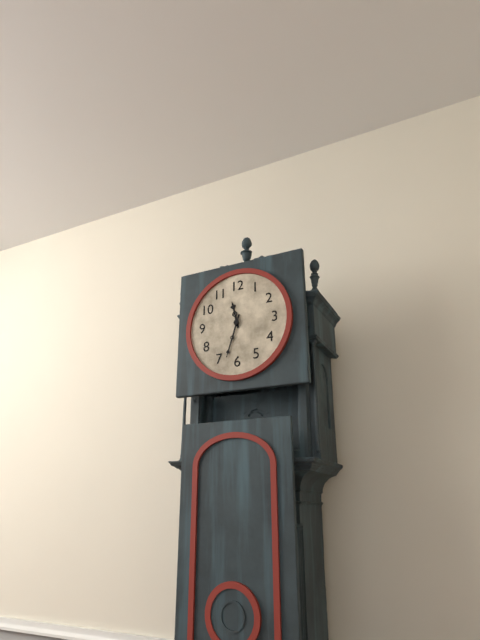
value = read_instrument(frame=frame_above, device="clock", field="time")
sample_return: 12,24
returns 11,33
